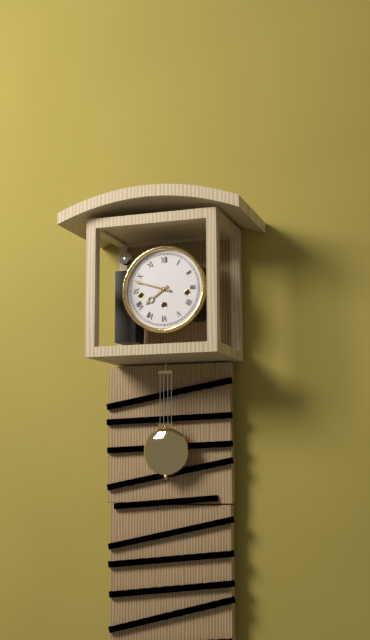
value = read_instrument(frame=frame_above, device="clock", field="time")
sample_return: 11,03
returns 7,48
